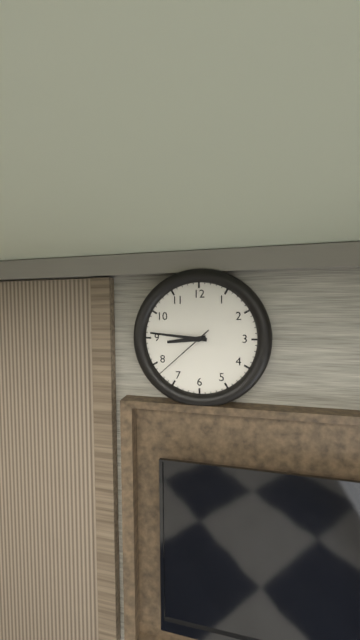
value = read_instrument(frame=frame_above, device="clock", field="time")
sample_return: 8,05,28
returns 8,46,38
